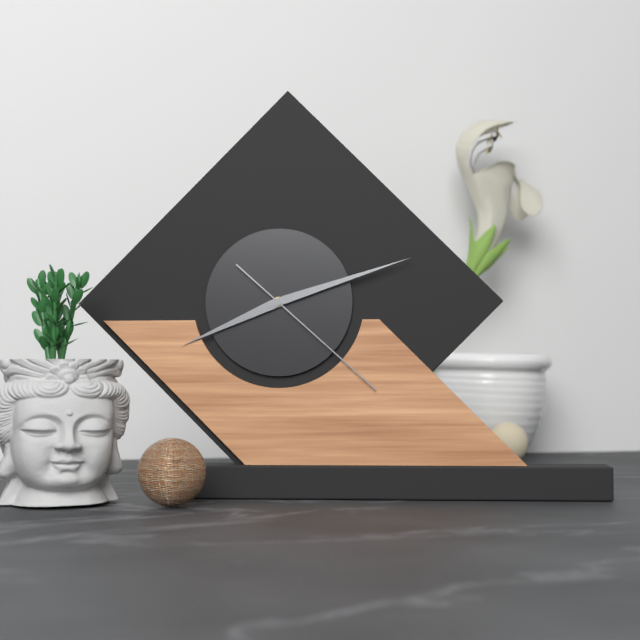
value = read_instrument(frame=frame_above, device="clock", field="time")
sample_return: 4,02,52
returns 8,12,22
